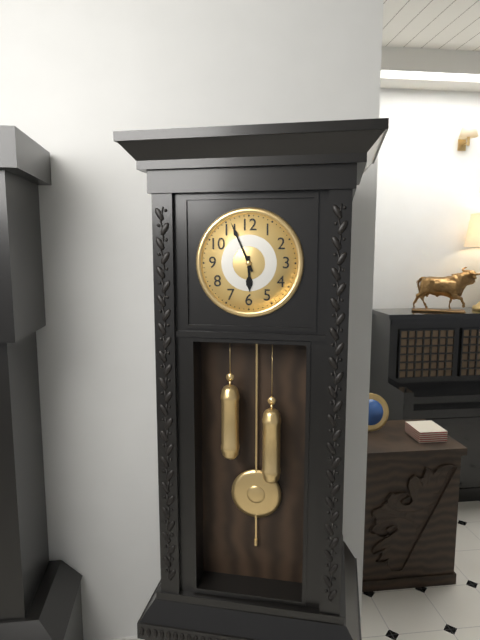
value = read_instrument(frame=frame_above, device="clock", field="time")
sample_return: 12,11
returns 5,56
